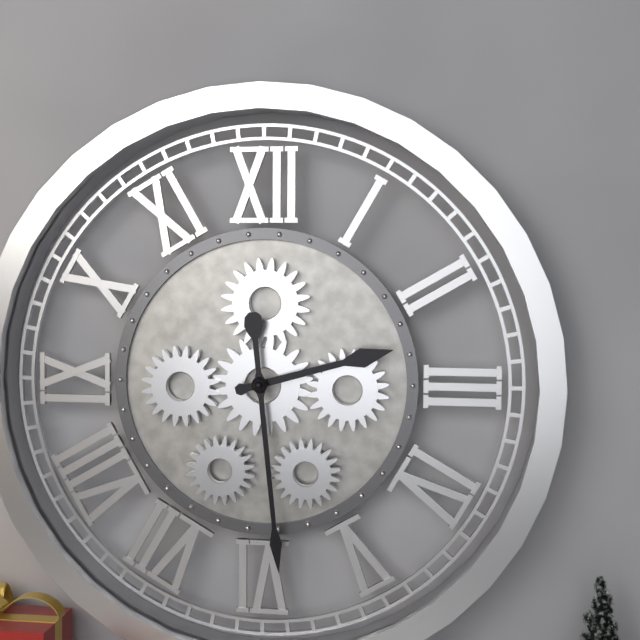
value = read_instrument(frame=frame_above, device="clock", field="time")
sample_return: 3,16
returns 2,29
